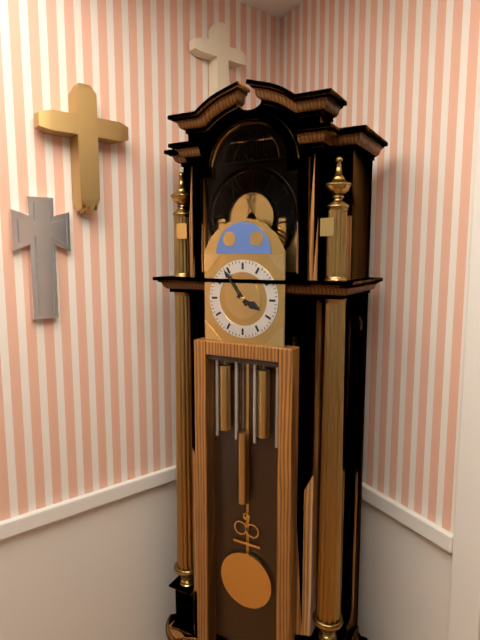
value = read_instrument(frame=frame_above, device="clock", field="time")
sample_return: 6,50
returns 3,54
